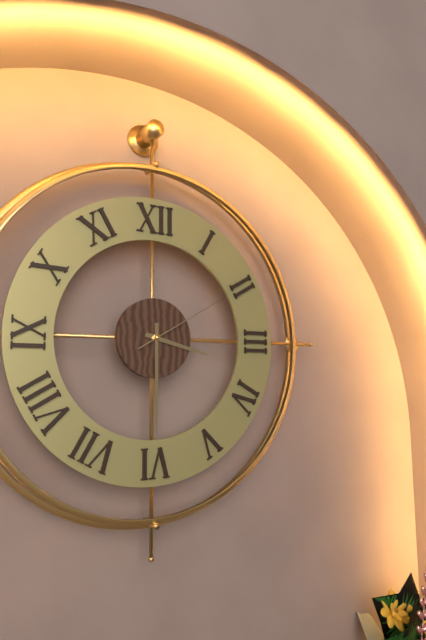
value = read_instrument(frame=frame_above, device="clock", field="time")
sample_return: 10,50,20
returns 3,30,10
